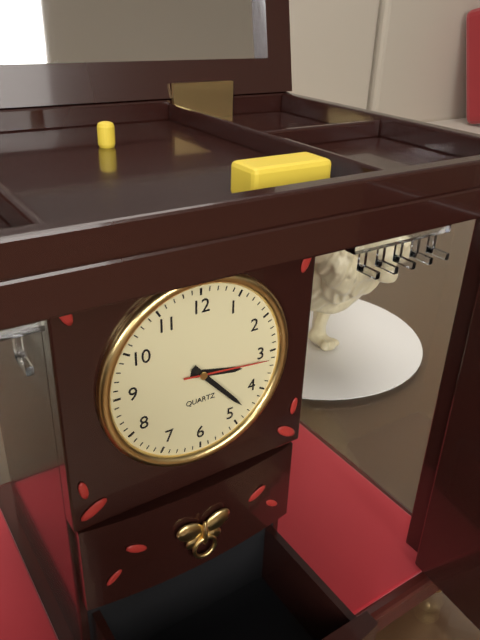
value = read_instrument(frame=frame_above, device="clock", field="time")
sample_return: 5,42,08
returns 3,23,16
